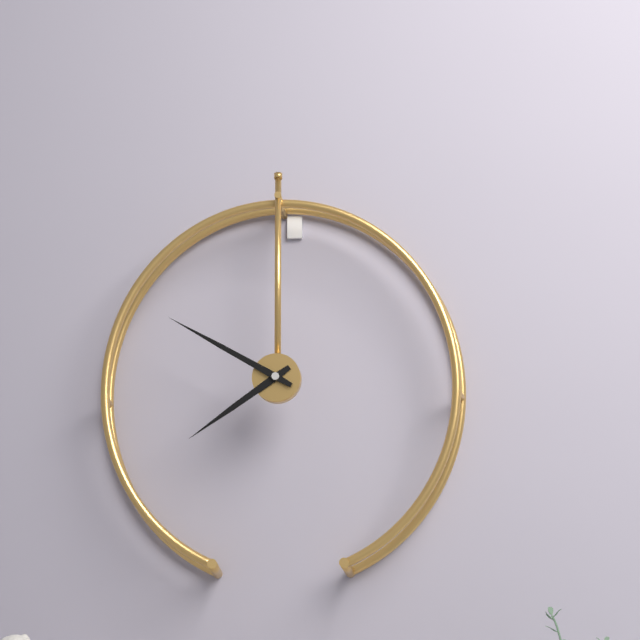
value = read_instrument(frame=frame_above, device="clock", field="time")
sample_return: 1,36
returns 7,50
